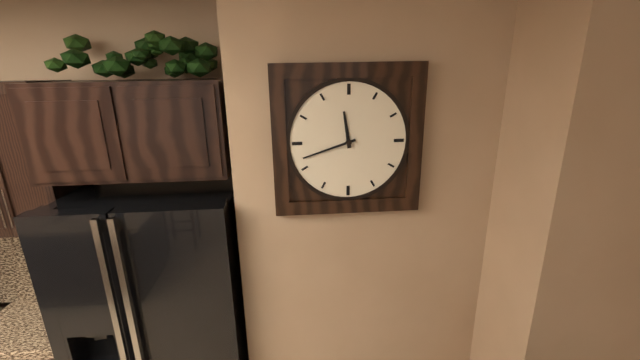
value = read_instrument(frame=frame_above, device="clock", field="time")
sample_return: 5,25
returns 11,42
